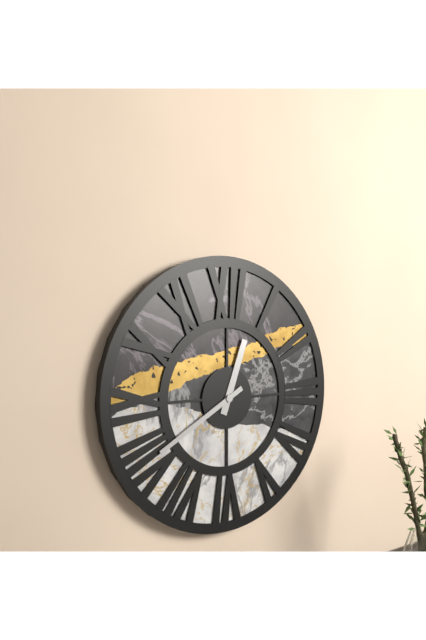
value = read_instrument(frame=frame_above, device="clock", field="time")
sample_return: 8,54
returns 12,40
